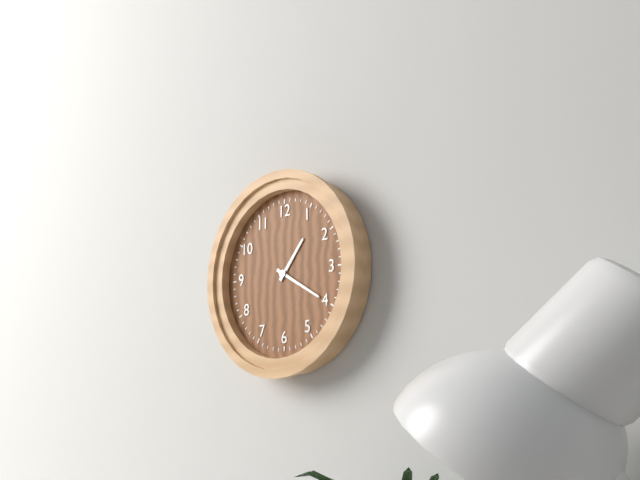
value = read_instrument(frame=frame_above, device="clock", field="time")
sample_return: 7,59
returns 1,20
